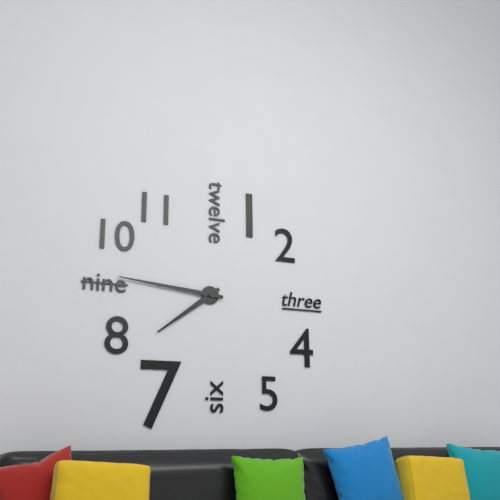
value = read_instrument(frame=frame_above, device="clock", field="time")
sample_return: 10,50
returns 7,46
